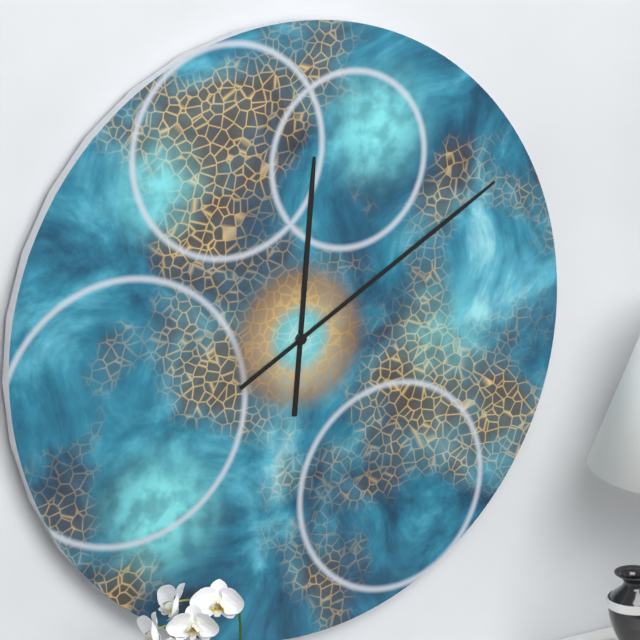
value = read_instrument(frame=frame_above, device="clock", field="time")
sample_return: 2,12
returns 12,10
